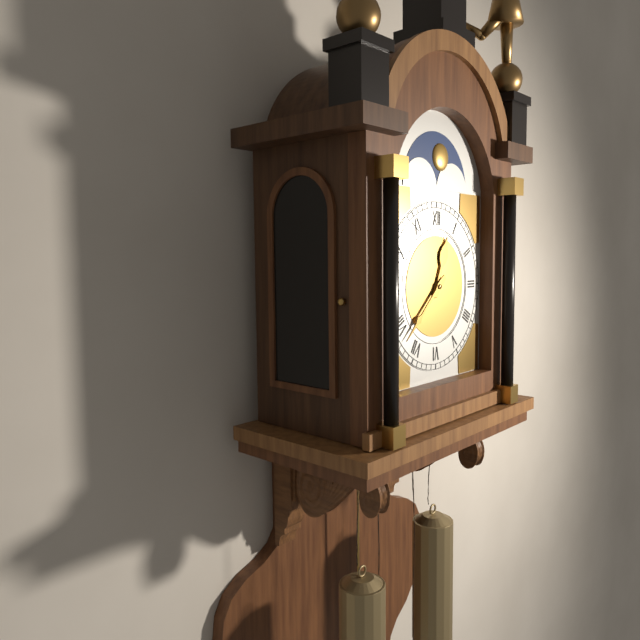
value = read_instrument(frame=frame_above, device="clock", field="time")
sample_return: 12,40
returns 12,38
